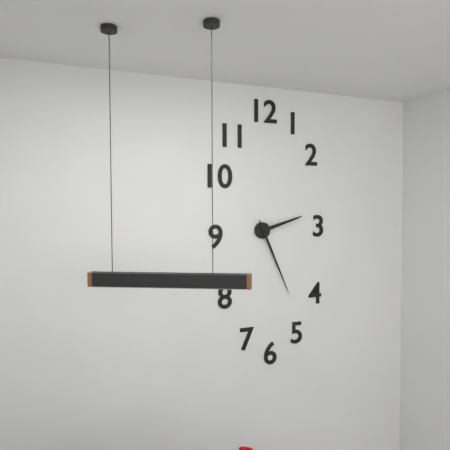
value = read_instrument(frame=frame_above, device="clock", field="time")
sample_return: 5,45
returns 2,26
